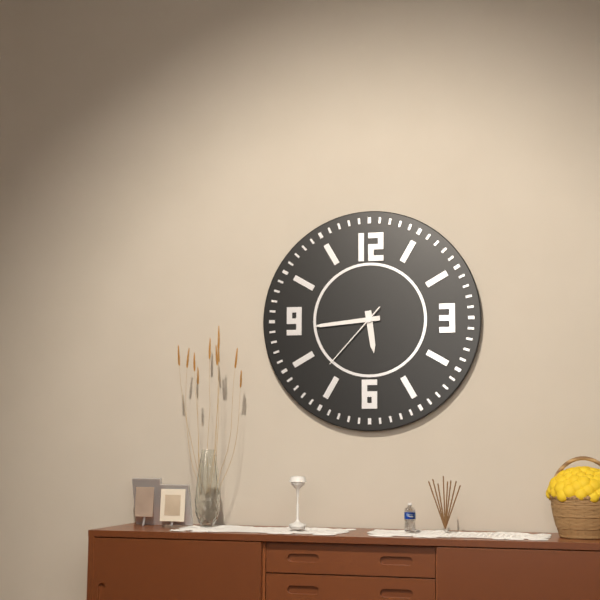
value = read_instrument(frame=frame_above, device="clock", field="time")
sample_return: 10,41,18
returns 5,44,37
